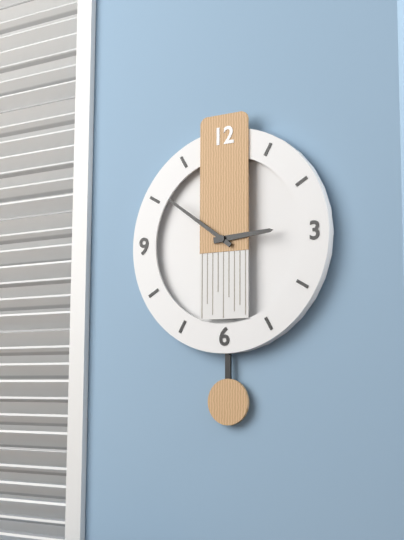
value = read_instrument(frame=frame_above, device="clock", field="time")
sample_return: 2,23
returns 2,51
